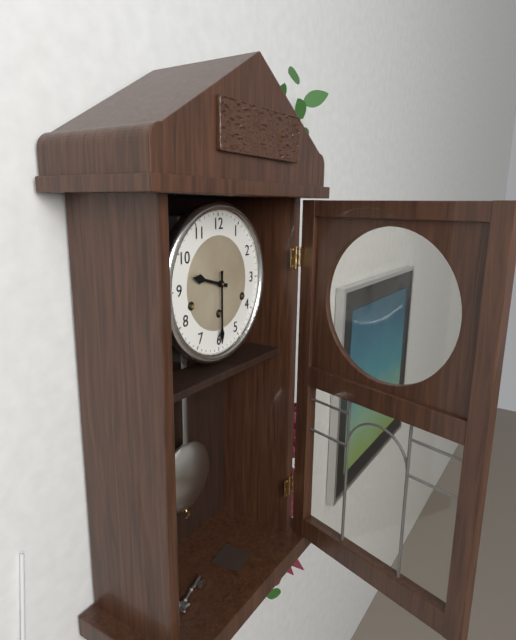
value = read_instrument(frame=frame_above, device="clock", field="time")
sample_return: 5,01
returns 9,30
